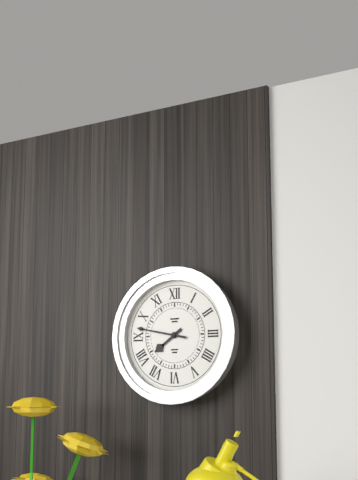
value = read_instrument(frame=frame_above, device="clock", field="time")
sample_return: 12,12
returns 7,47
